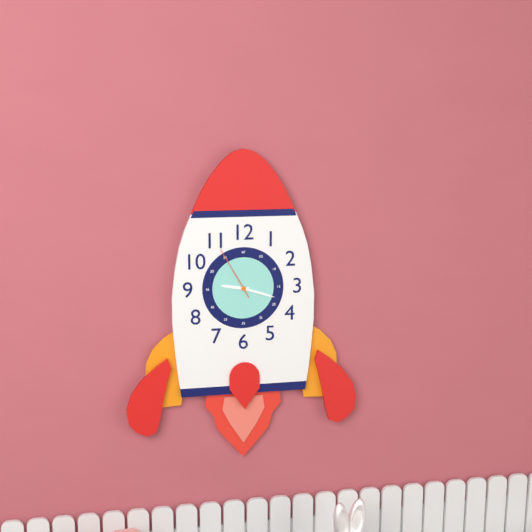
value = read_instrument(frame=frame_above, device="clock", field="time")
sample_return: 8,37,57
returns 9,18,55
